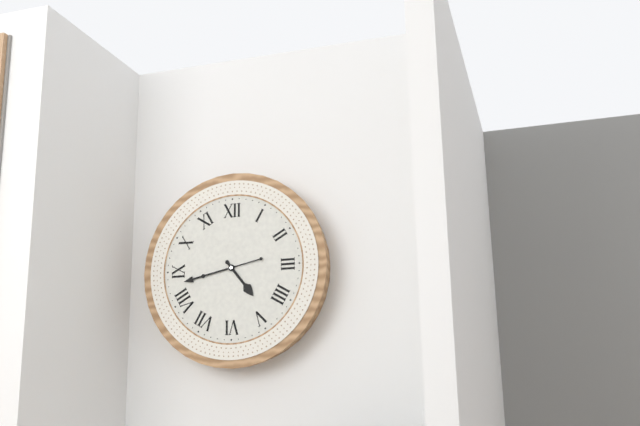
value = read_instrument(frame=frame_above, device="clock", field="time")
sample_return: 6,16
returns 4,43
